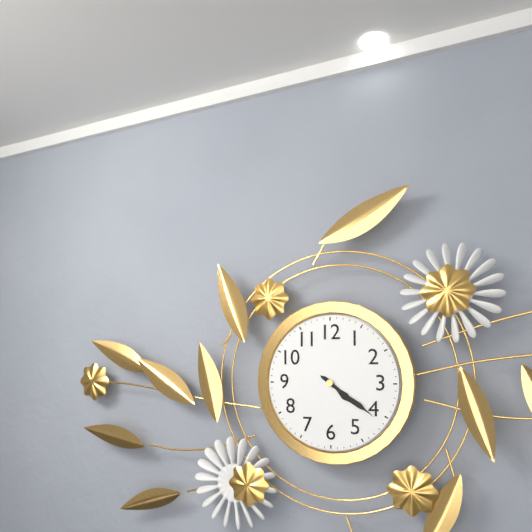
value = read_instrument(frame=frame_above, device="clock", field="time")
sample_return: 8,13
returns 4,21
